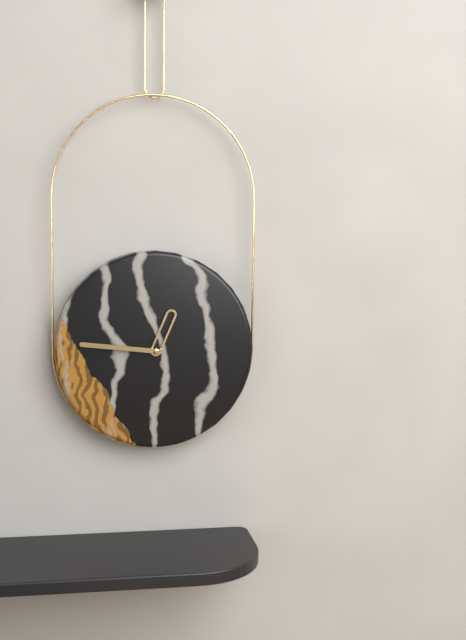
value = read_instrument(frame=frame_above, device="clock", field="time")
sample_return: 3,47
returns 12,46
